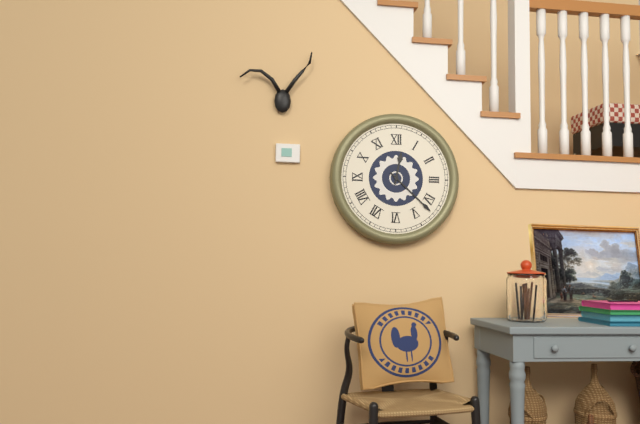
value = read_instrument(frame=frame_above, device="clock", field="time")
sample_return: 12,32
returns 12,22
